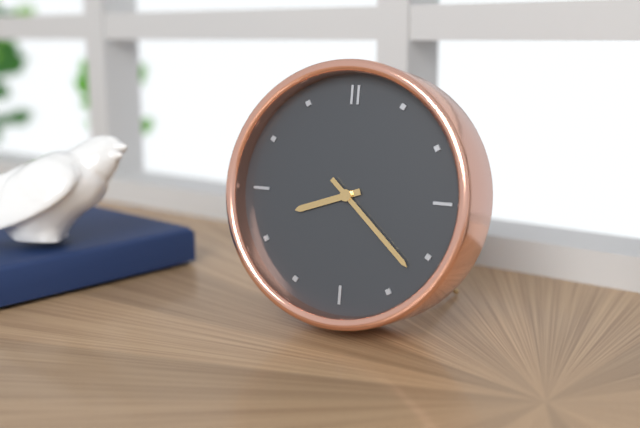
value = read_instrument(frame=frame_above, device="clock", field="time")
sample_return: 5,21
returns 8,22
